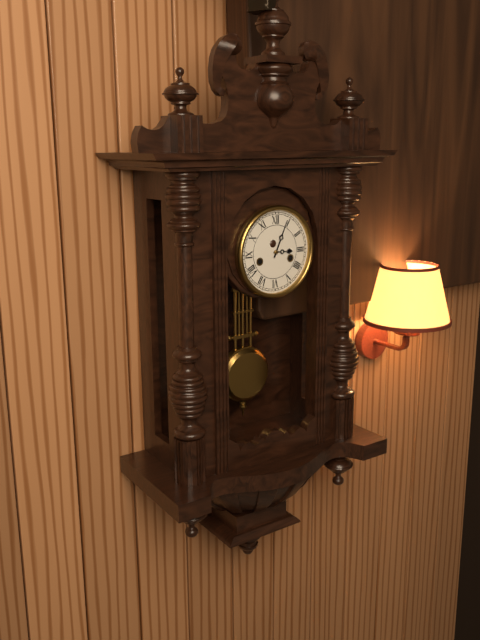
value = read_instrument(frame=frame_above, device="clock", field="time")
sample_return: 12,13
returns 3,04
